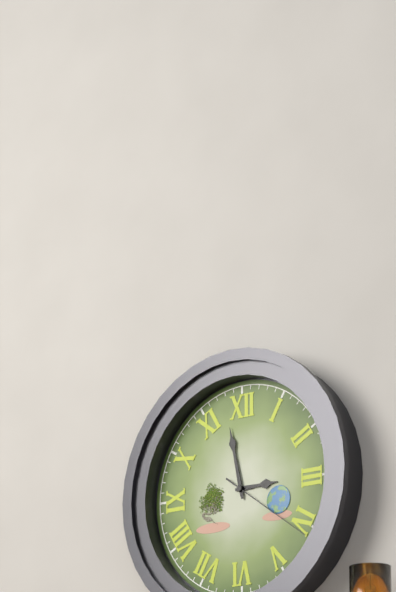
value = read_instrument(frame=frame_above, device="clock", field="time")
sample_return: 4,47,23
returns 2,58,21
